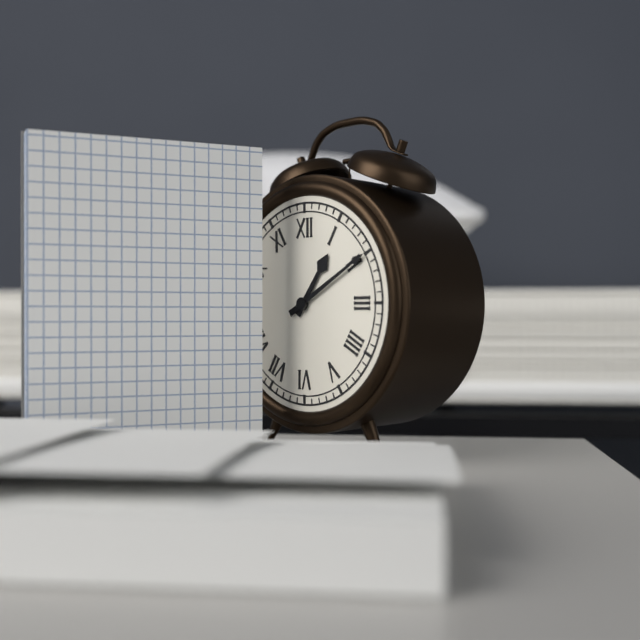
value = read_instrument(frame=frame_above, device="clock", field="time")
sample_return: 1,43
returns 1,10
